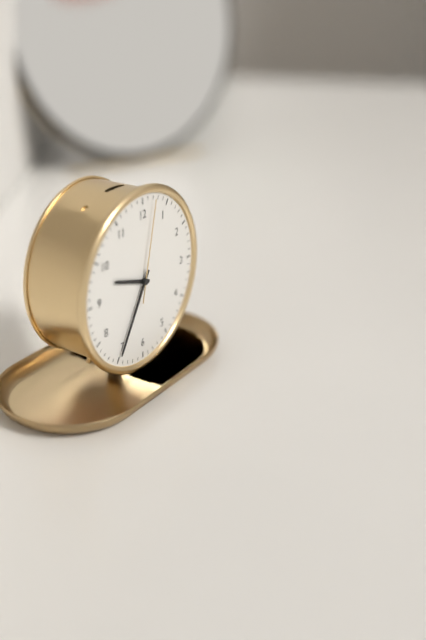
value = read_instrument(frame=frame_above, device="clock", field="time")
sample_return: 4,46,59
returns 9,35,02
